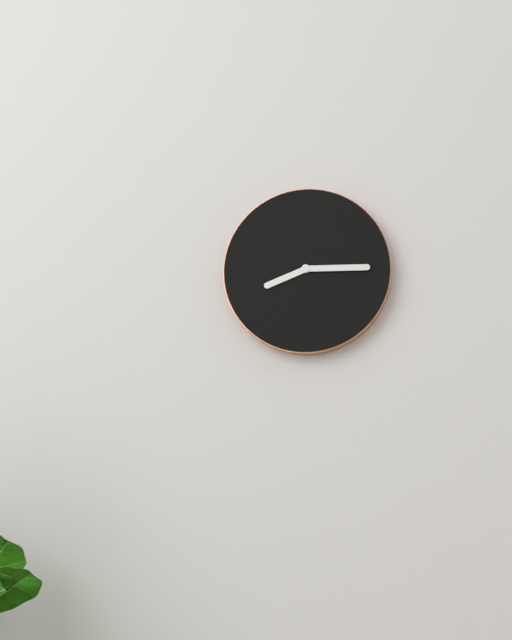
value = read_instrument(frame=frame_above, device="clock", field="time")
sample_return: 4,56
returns 8,15
